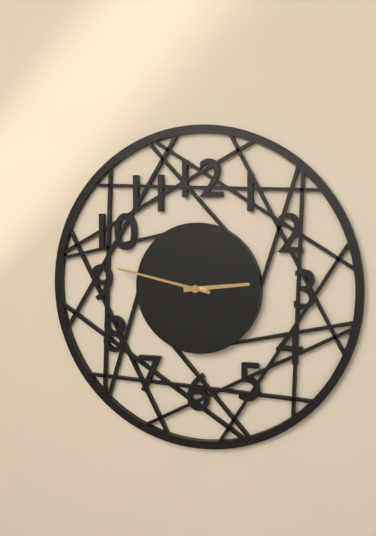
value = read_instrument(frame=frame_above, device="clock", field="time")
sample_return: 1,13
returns 2,47
